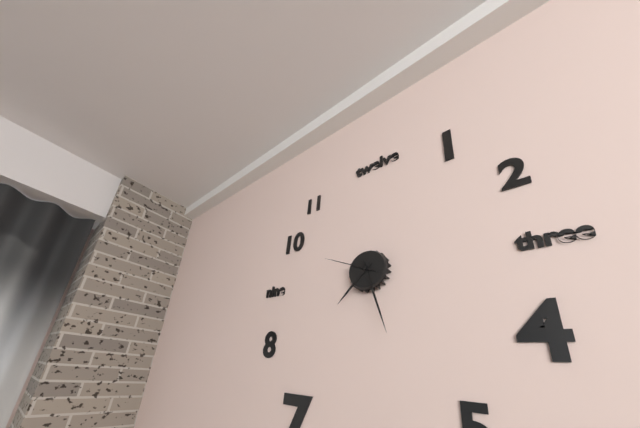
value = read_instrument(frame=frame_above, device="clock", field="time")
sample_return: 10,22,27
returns 7,27,49
